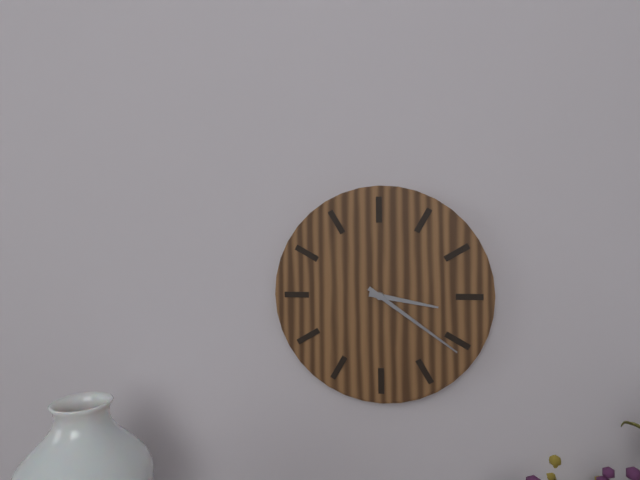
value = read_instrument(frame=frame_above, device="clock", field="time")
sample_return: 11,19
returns 3,21
